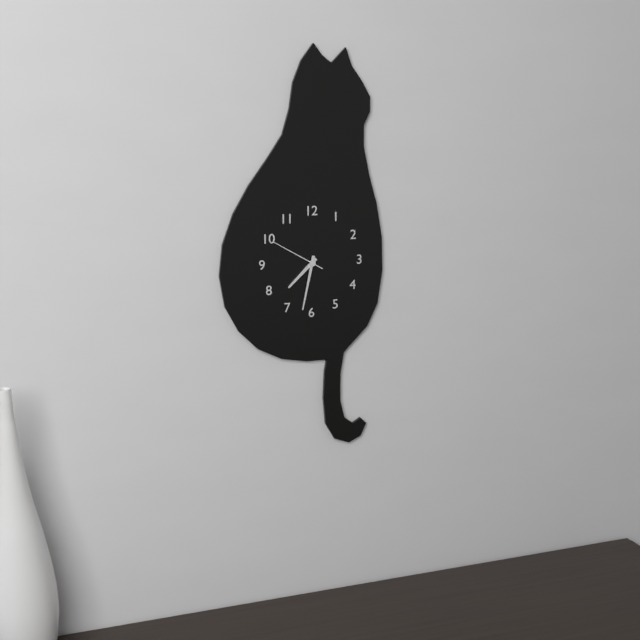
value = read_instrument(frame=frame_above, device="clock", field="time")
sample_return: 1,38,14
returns 7,32,50
